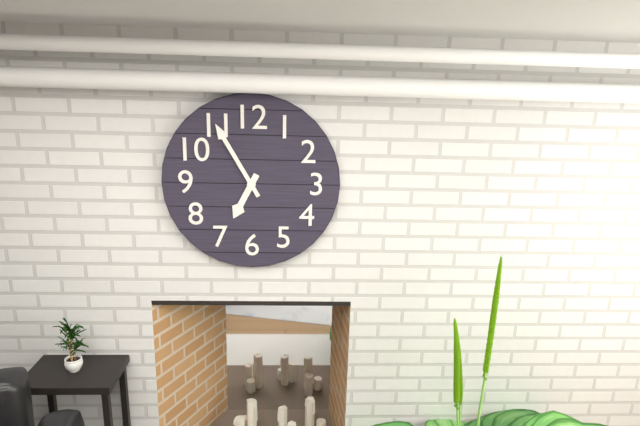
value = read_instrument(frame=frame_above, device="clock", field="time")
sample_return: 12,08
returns 6,55
